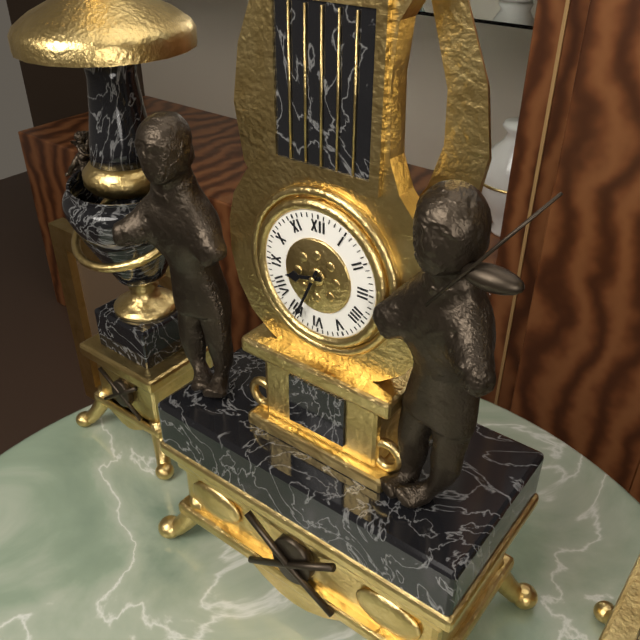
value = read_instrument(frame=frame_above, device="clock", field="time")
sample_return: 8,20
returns 8,34
